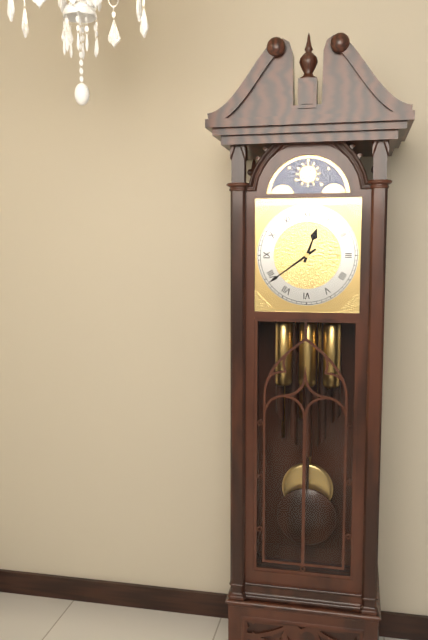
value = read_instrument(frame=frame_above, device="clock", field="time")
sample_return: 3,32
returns 12,39
